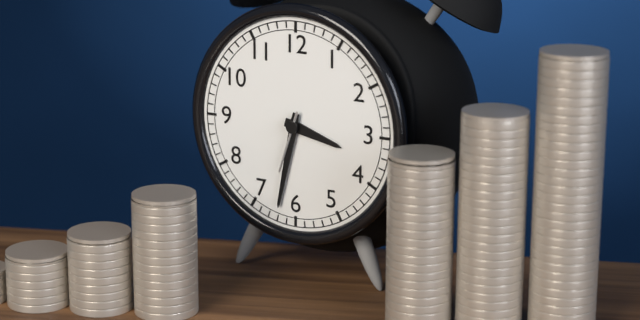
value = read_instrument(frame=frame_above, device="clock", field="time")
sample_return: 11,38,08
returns 3,32,33
